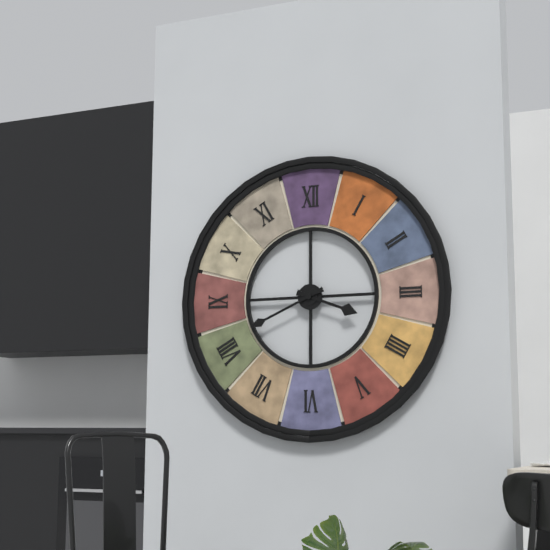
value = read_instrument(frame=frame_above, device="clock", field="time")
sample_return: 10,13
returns 3,41
